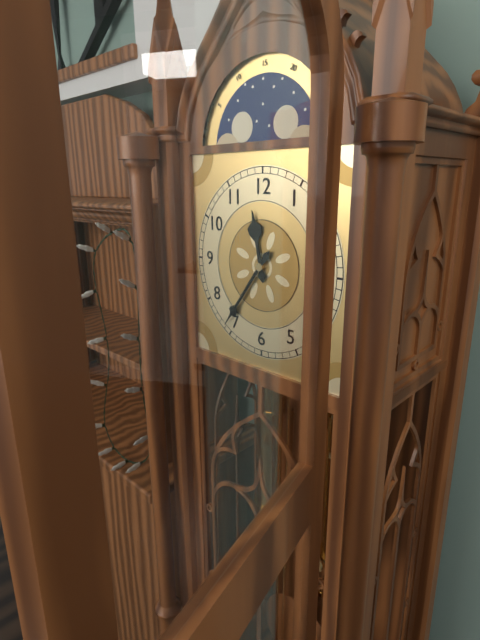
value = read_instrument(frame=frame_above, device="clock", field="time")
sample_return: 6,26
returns 11,36
